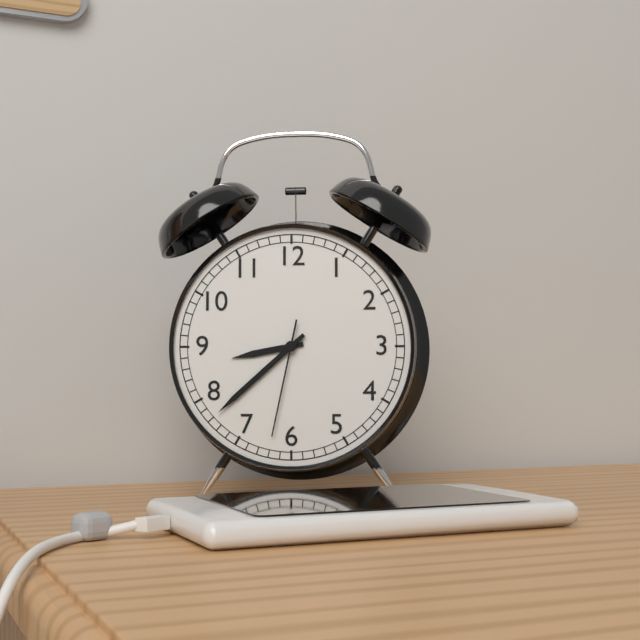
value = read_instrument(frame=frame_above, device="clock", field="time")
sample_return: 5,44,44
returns 8,38,32
